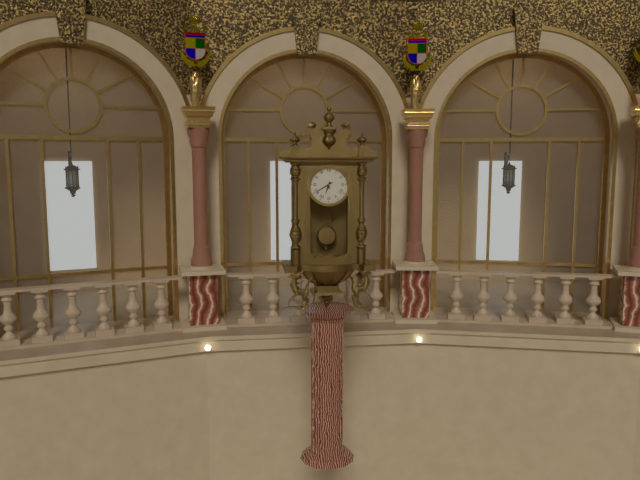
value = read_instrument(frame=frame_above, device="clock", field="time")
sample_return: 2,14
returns 6,40
